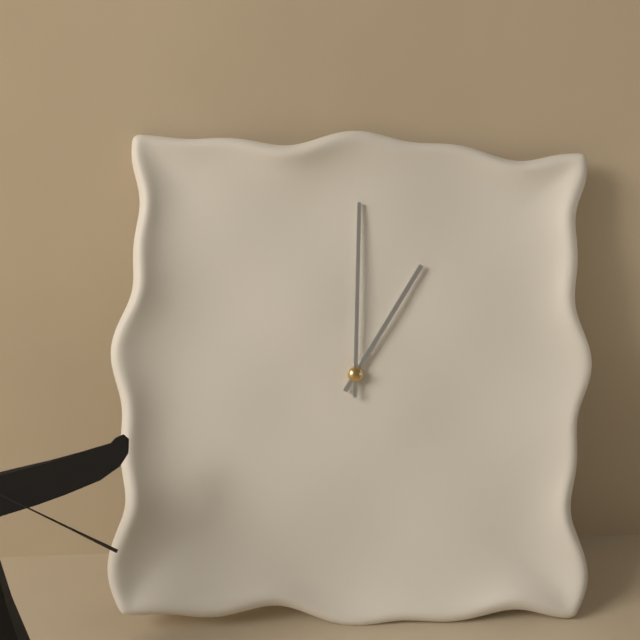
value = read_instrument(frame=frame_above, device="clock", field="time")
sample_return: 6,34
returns 1,00
